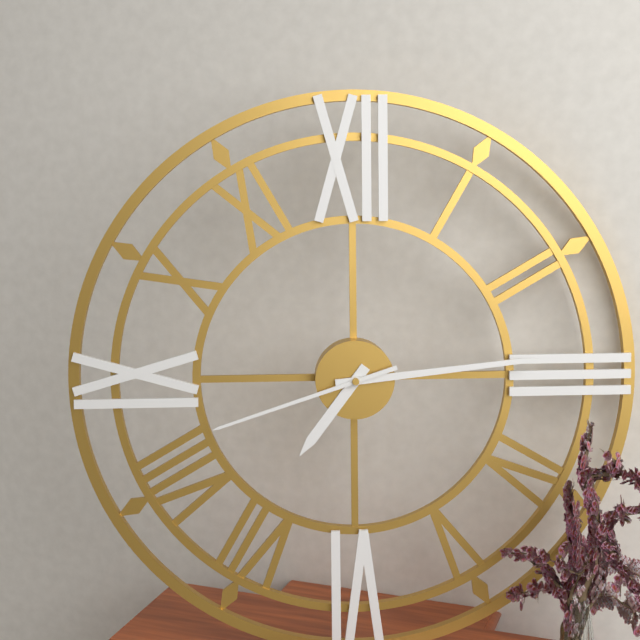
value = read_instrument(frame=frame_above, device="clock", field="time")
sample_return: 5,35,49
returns 7,14,42
